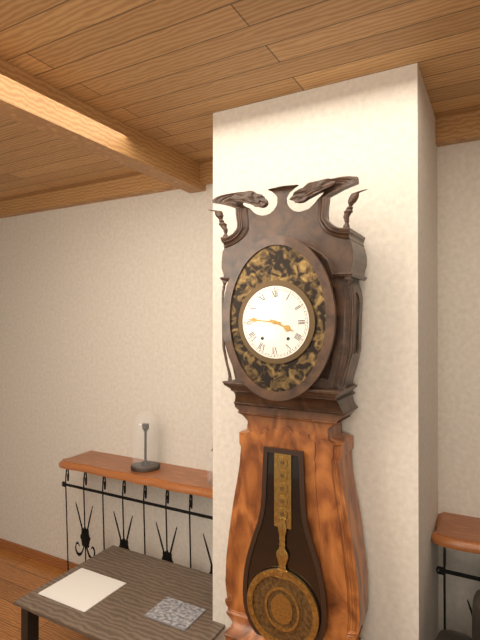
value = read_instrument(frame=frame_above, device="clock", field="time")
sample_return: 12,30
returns 3,46
